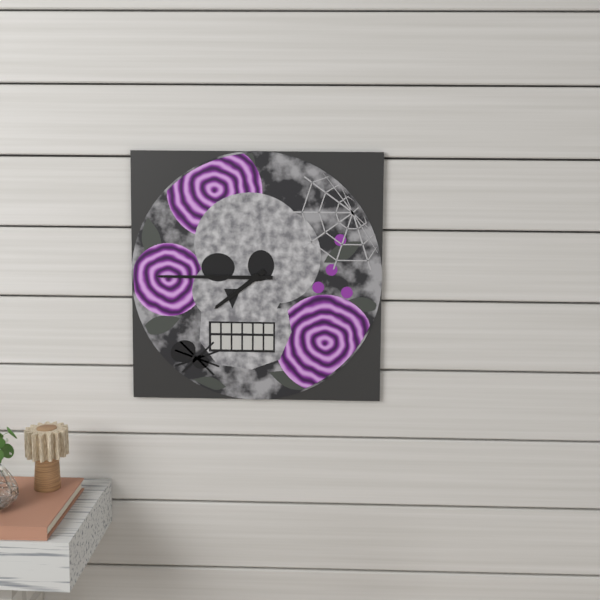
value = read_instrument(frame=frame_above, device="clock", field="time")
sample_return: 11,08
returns 7,45
